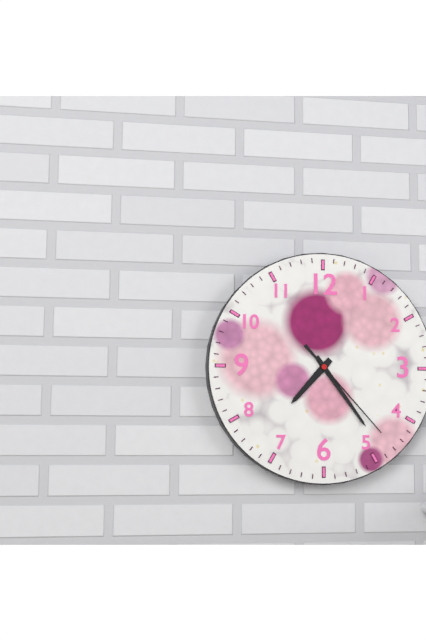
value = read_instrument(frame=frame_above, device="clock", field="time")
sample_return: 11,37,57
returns 7,24,23
